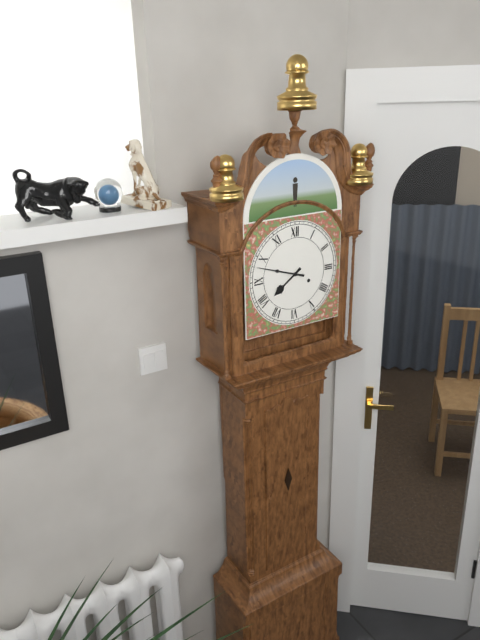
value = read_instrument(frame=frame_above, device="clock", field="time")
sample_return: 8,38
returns 7,48
